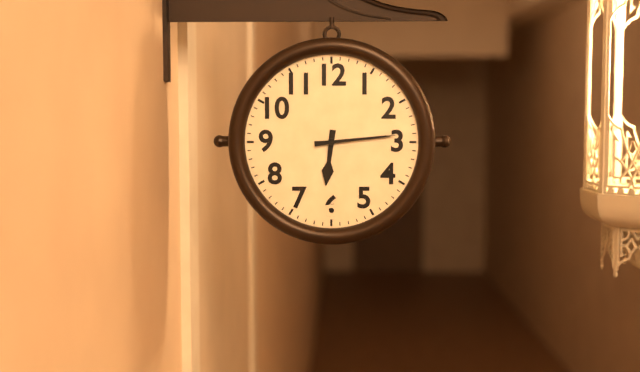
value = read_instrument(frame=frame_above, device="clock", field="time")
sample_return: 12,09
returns 6,14
